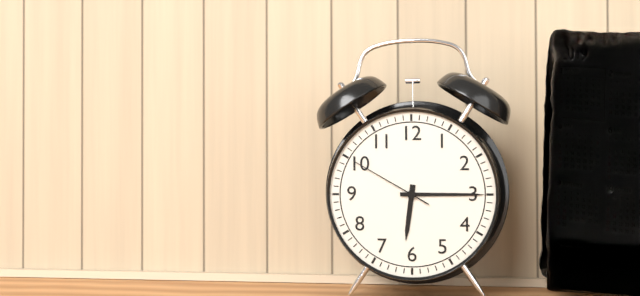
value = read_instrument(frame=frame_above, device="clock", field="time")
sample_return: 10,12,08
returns 6,15,50
